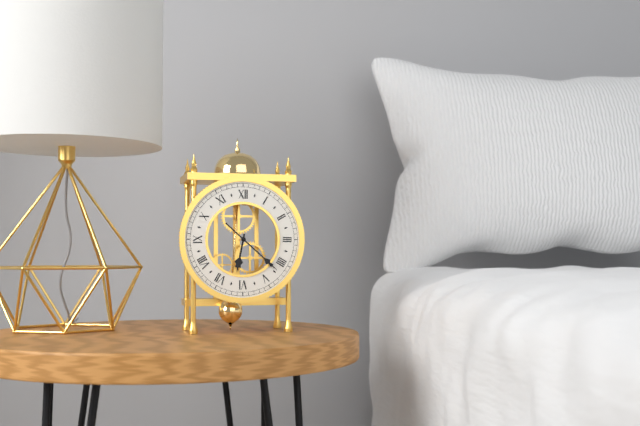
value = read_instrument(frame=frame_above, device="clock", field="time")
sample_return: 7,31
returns 6,22
